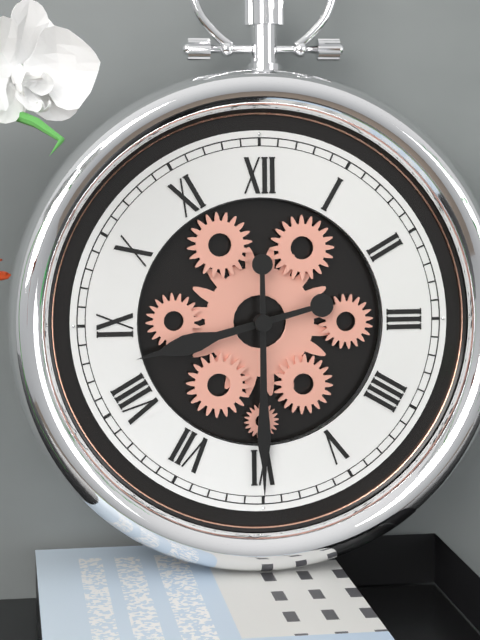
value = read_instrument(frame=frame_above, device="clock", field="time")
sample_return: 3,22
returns 8,30
